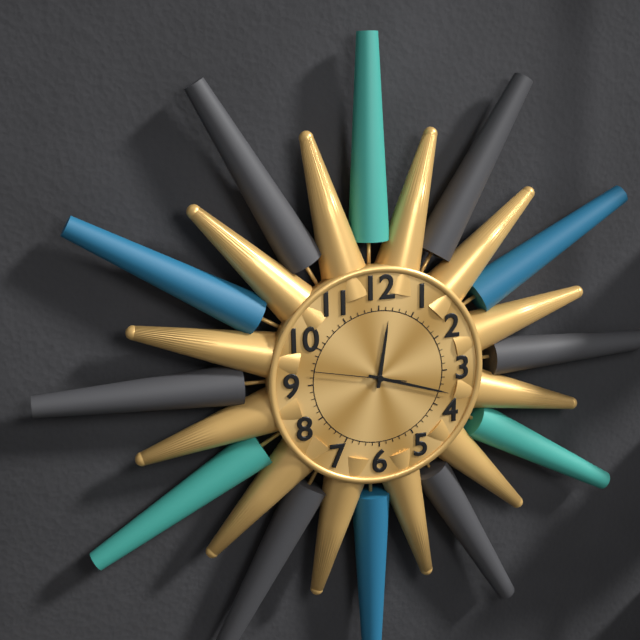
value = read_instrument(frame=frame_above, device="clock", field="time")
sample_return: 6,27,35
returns 12,18,47
